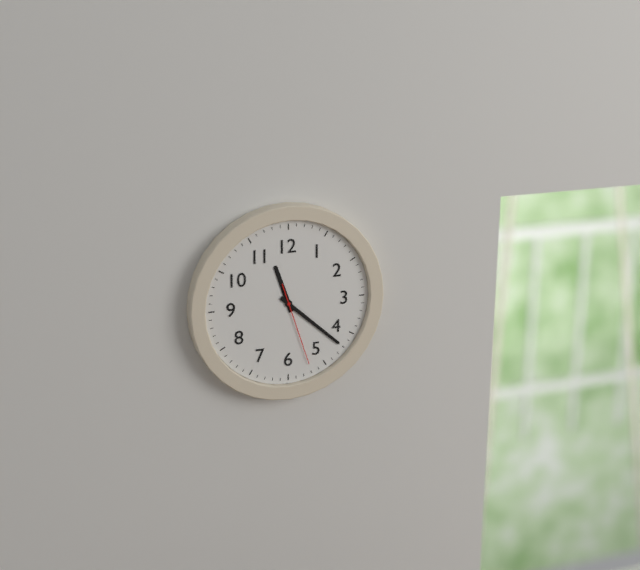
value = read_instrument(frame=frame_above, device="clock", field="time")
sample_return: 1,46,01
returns 11,22,27
